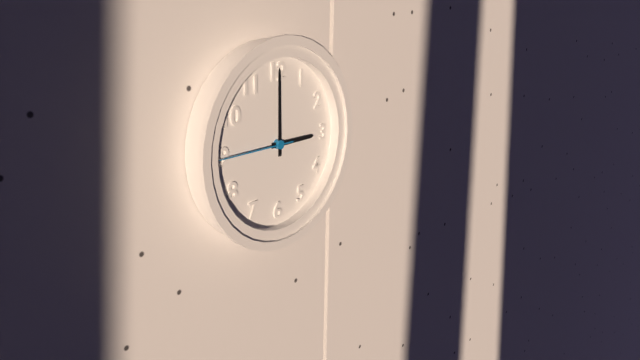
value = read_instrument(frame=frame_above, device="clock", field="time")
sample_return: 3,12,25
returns 3,00,45
